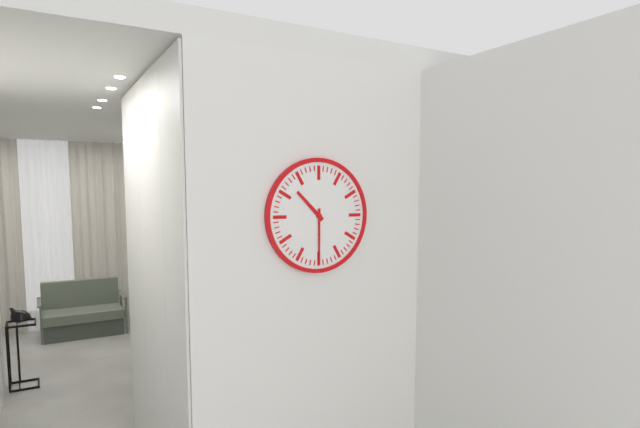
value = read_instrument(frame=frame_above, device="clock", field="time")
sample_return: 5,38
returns 10,30
